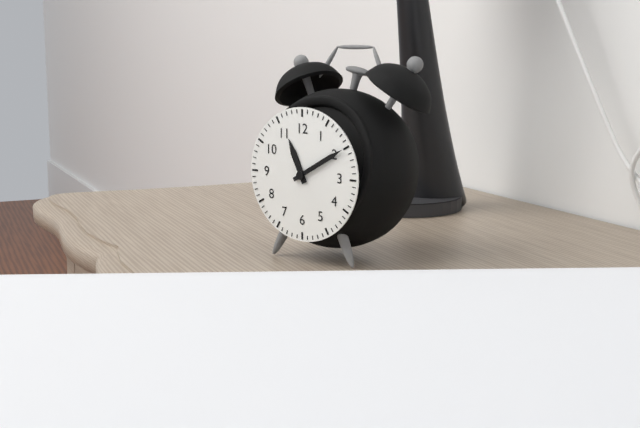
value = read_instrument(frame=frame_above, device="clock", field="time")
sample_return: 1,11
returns 11,10
